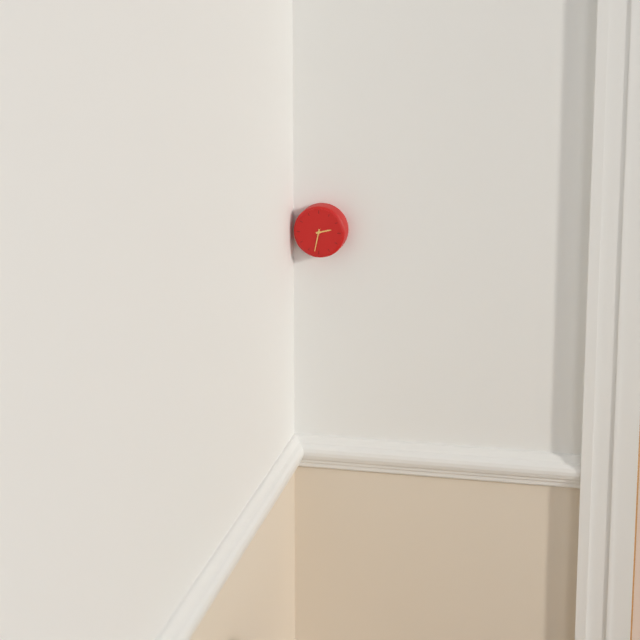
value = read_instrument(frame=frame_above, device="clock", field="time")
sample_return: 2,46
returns 2,32
